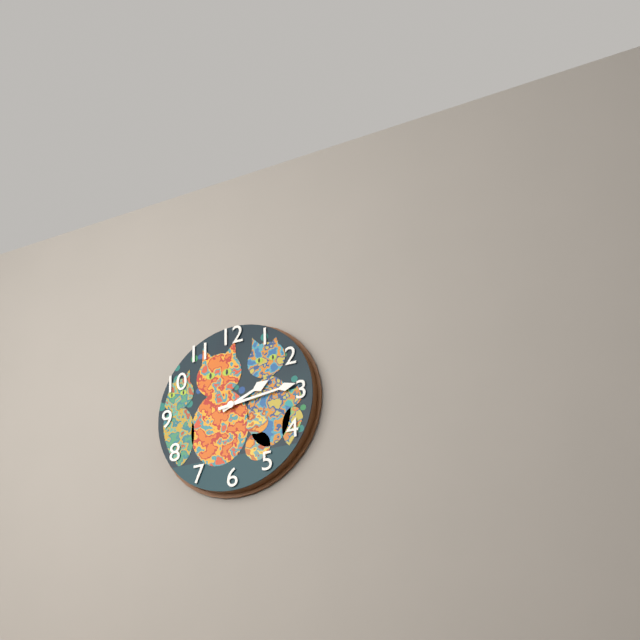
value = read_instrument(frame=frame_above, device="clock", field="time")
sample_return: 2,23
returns 2,14
